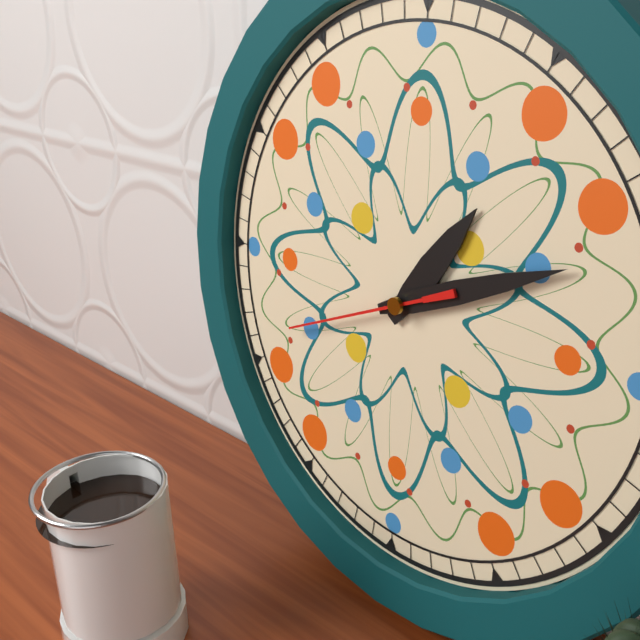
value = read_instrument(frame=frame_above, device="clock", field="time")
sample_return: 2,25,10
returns 1,11,41
